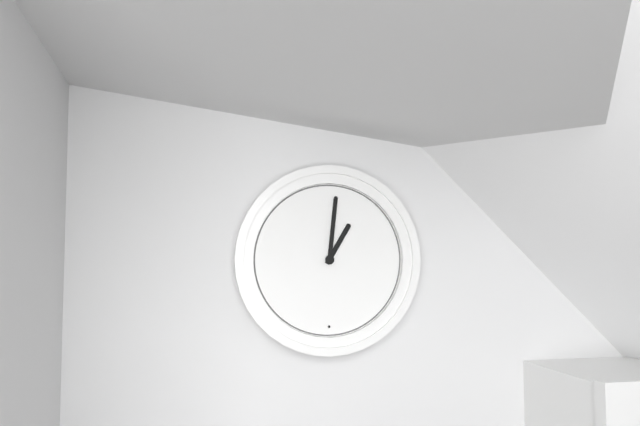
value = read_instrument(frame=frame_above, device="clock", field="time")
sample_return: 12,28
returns 1,01
